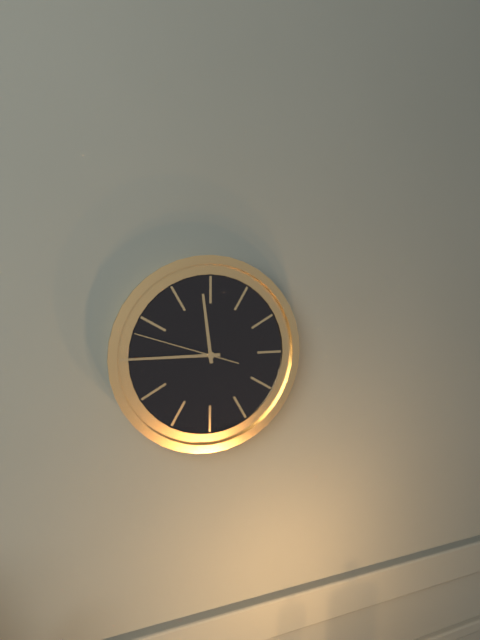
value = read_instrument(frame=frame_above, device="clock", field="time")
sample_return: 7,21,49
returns 11,45,48
